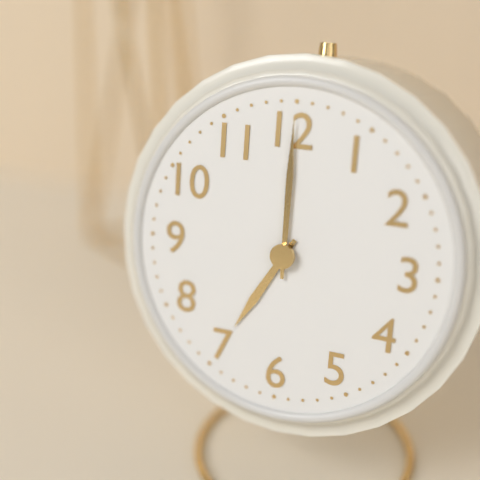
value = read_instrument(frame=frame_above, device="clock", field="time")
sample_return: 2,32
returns 7,00
